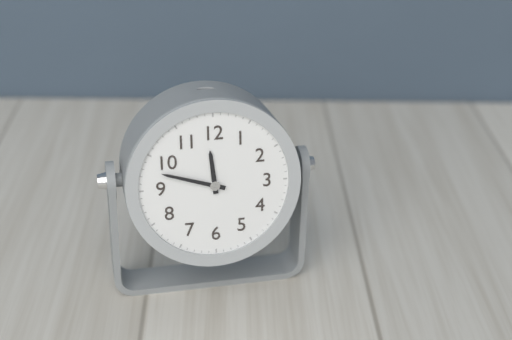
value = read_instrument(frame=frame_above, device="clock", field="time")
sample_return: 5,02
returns 11,48
